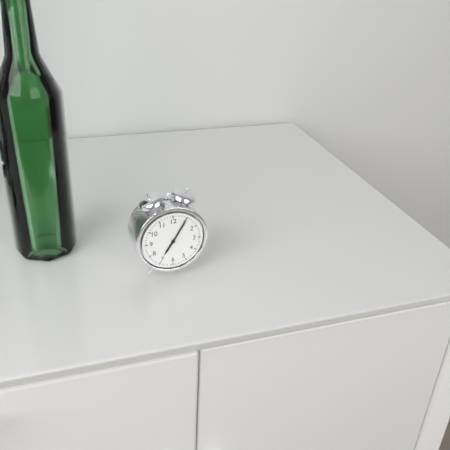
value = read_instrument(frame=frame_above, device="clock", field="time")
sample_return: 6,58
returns 7,05
